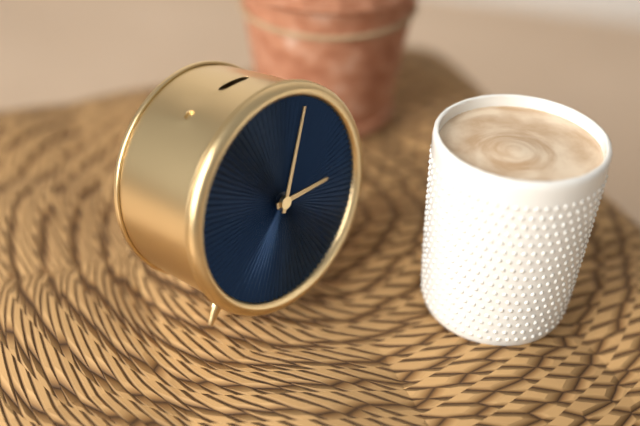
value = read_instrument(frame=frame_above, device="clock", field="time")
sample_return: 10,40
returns 3,04
